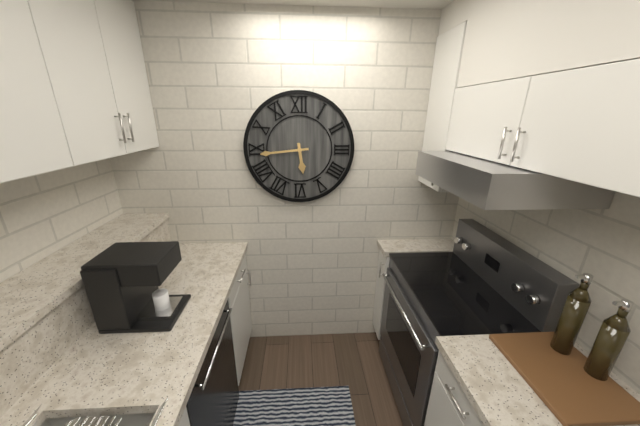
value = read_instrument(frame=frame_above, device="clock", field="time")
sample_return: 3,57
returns 5,44
